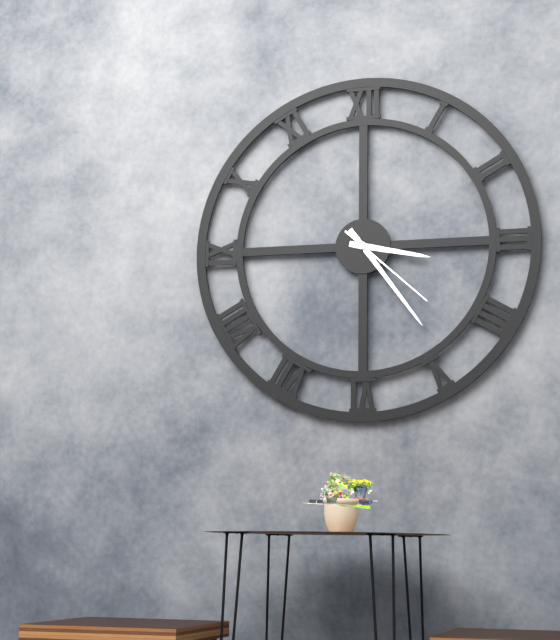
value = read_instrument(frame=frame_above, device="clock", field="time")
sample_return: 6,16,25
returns 3,24,22
